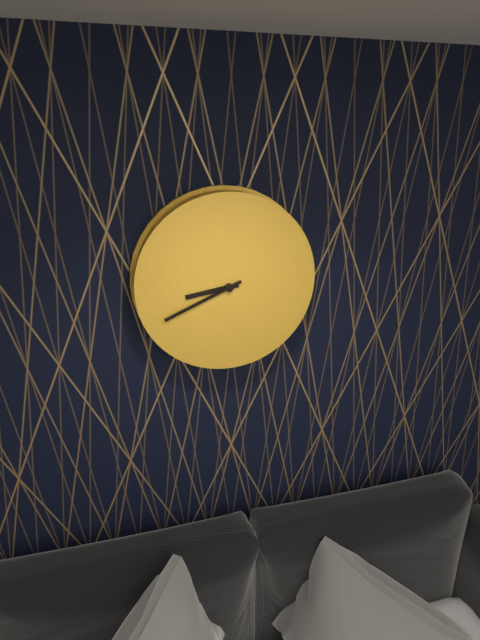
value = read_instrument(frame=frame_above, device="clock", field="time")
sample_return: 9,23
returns 8,41
